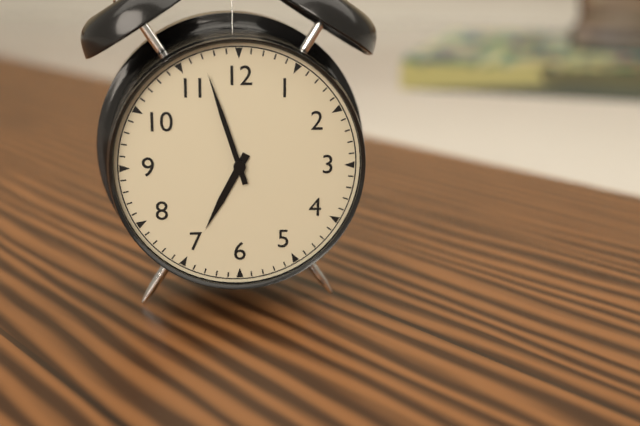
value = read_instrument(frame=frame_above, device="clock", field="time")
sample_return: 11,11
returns 6,57
